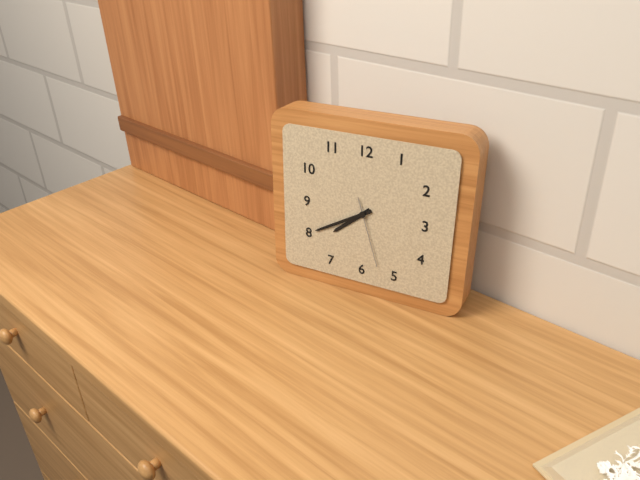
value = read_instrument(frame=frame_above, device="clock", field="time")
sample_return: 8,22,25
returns 7,40,27
